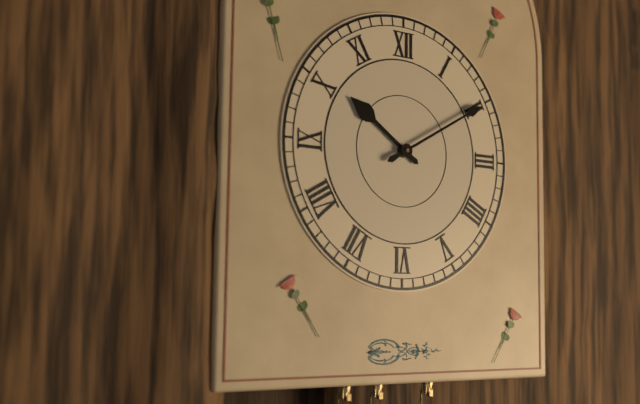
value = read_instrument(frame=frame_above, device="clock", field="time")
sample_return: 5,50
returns 10,10
